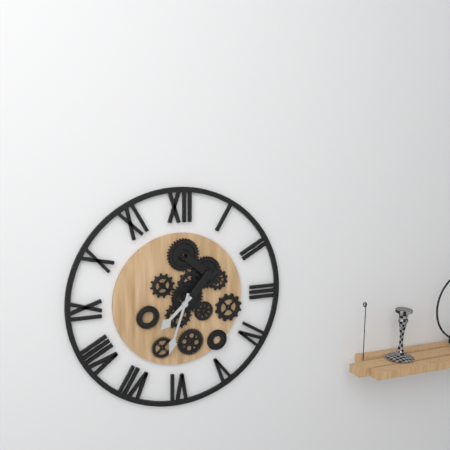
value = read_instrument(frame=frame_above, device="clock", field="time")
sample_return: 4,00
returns 7,33
